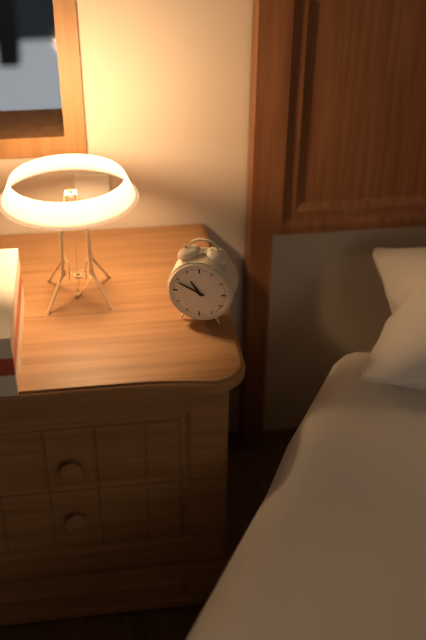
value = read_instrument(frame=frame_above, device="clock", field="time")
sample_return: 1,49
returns 10,49
